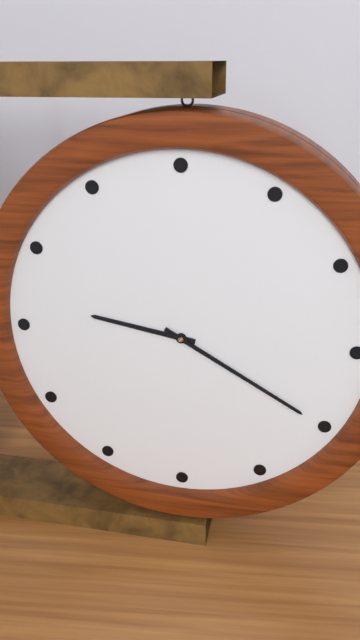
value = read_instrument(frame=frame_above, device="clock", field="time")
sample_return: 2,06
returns 9,20
